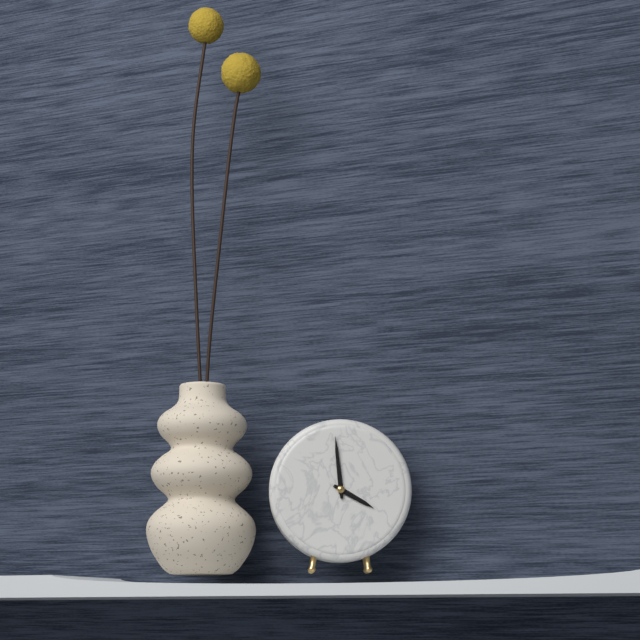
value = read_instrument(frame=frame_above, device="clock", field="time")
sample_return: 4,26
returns 3,59
